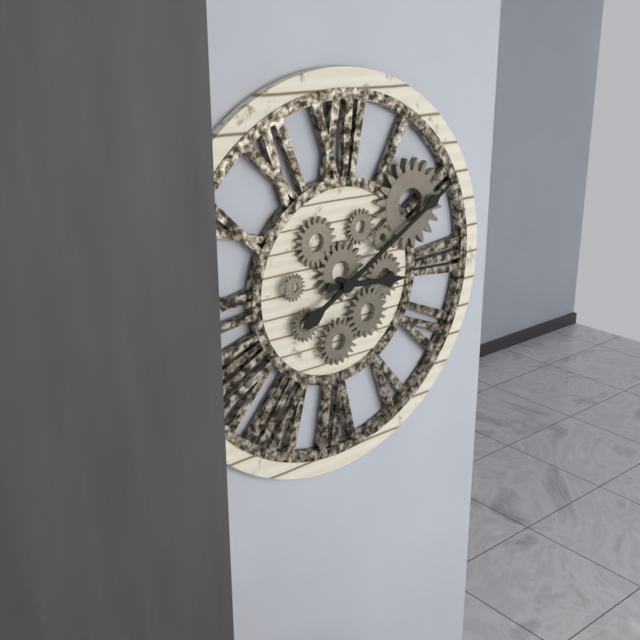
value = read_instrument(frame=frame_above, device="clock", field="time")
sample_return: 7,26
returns 3,10
